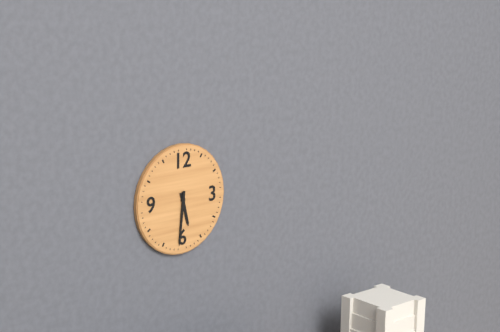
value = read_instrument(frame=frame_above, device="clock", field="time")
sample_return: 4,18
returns 5,31
